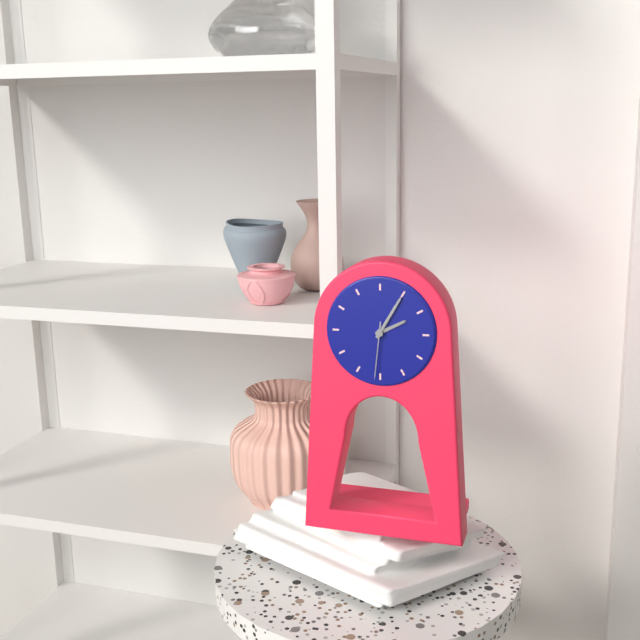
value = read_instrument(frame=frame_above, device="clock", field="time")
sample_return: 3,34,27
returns 2,05,31
